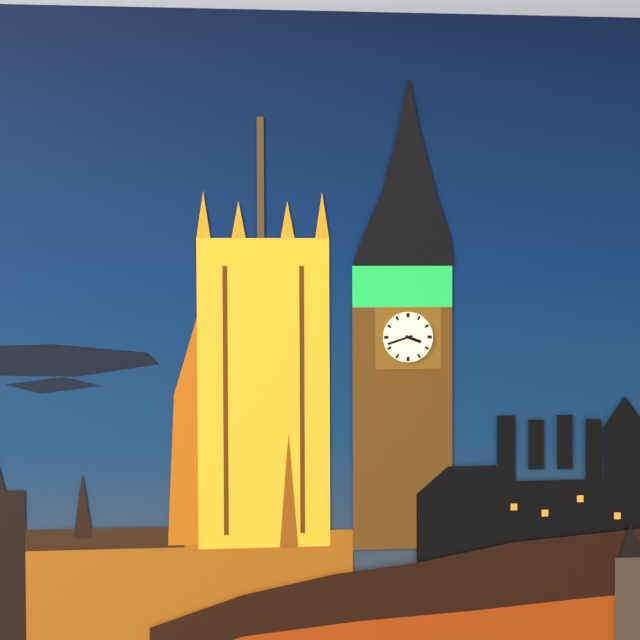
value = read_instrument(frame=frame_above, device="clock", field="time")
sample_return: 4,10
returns 3,42
